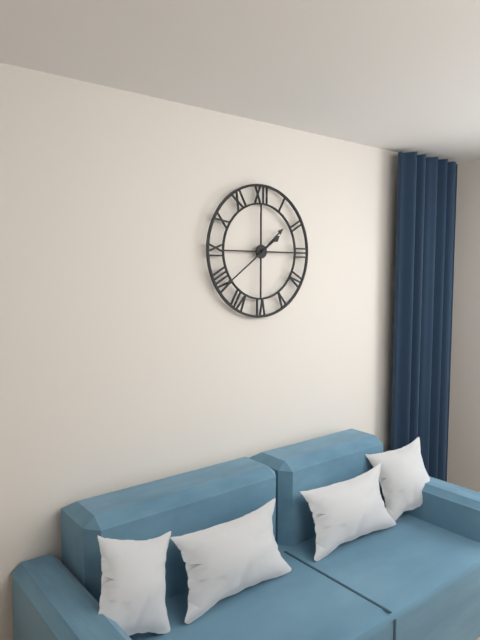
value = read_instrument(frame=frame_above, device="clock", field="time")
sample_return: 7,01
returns 1,39
